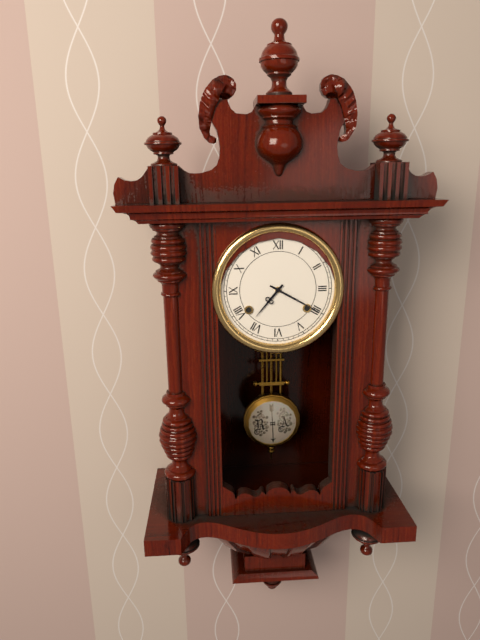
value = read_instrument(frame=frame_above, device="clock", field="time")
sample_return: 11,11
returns 7,20
